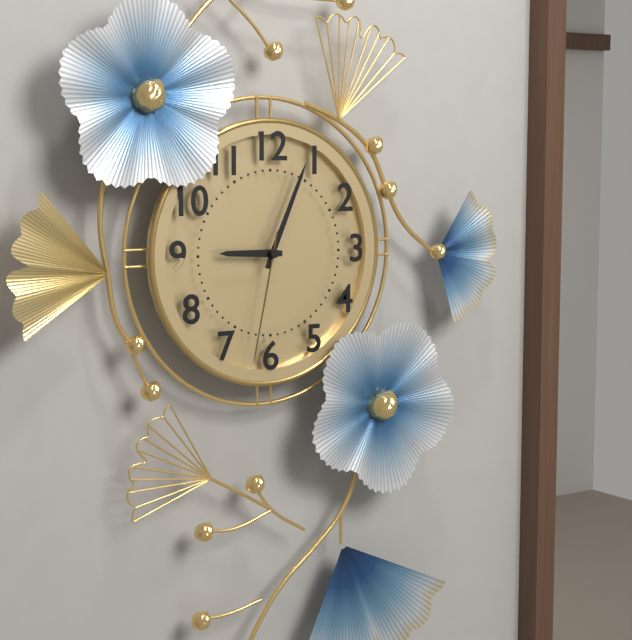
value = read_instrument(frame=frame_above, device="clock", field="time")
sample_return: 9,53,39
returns 9,04,32
